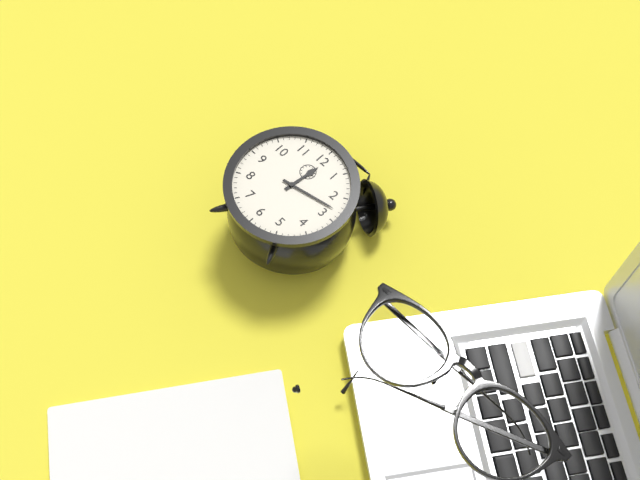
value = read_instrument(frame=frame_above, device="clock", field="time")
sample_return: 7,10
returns 12,13
